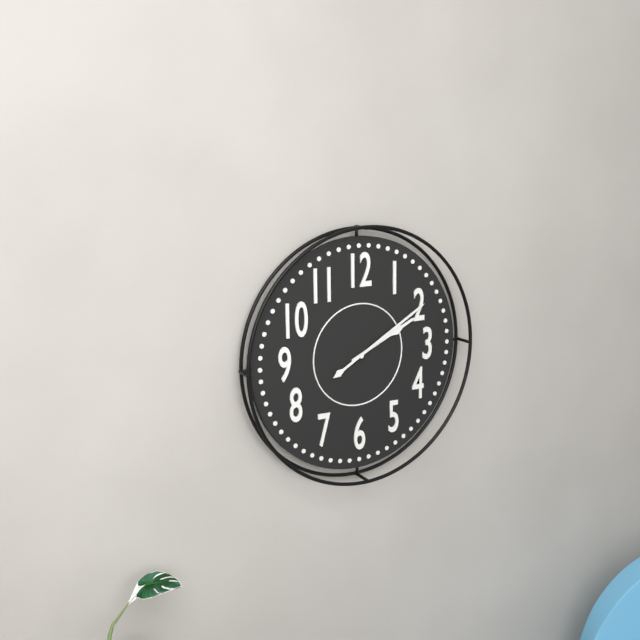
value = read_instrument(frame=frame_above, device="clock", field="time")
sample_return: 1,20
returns 2,10
